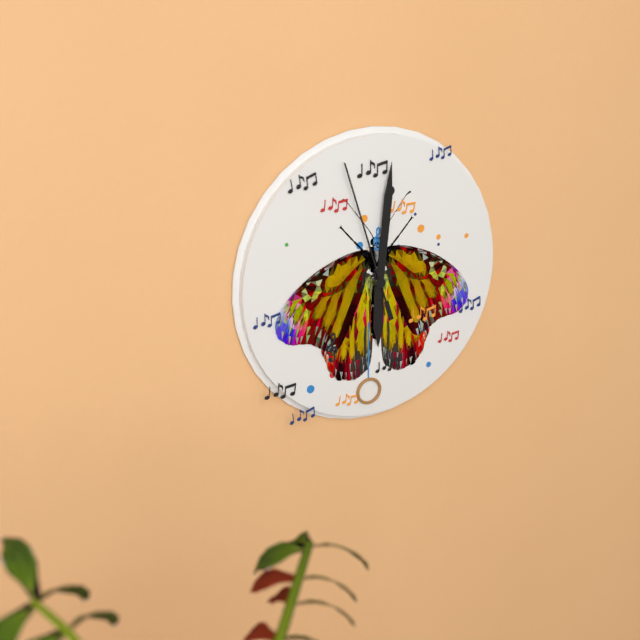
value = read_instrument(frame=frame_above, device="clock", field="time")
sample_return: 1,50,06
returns 6,01,57
